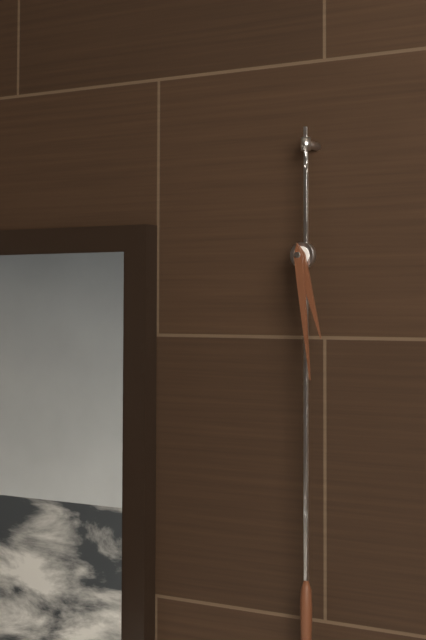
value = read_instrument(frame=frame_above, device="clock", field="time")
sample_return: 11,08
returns 5,29
